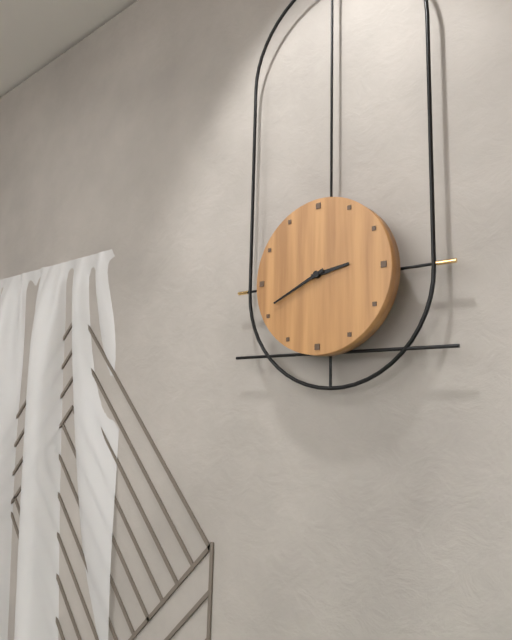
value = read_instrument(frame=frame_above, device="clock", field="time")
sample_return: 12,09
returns 2,41
